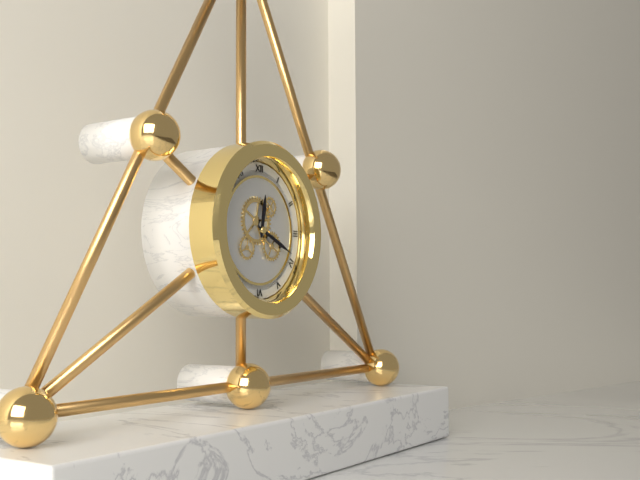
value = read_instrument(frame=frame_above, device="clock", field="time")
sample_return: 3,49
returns 12,19
